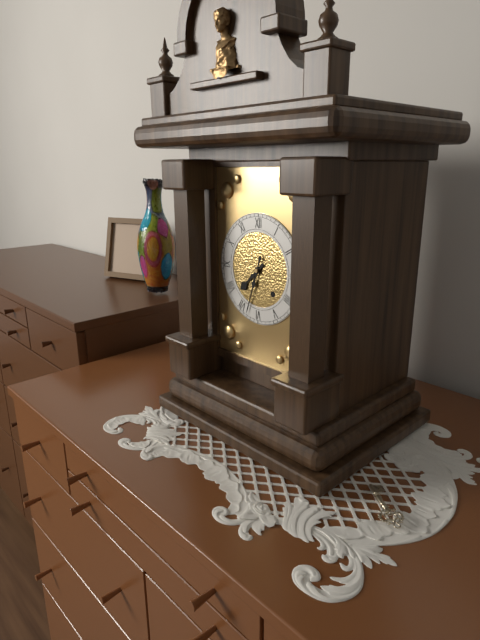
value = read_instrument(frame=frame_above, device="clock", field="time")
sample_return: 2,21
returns 7,33
